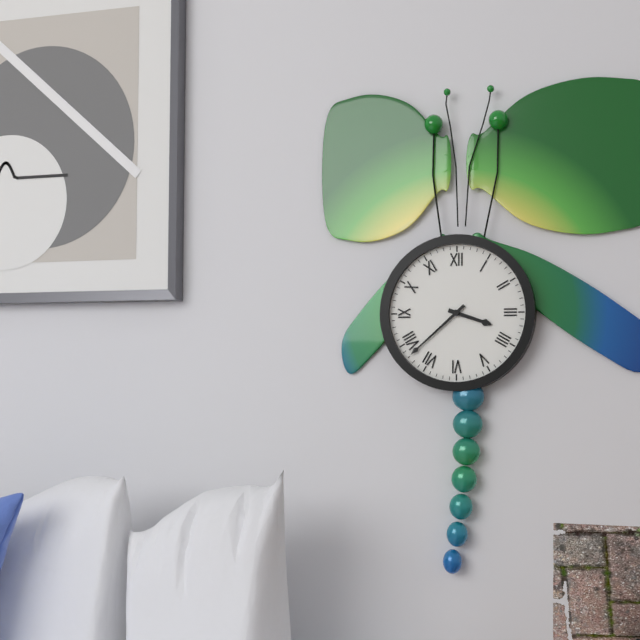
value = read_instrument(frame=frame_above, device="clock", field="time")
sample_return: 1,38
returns 3,38
